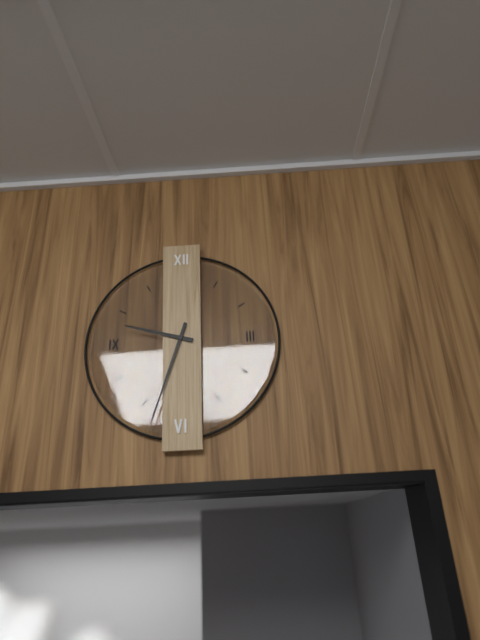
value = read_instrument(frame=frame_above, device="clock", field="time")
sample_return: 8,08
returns 9,33
